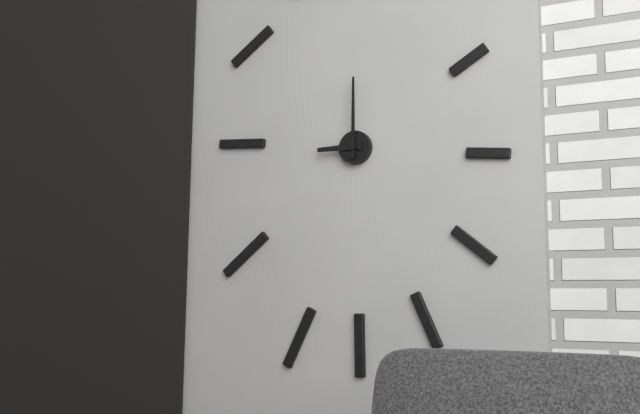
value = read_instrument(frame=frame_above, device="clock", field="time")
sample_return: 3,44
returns 9,00
